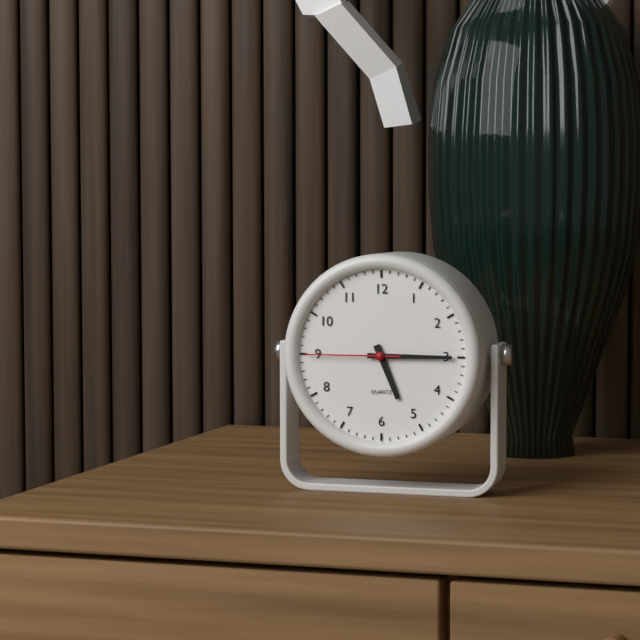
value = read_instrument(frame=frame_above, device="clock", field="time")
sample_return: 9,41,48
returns 5,15,45
